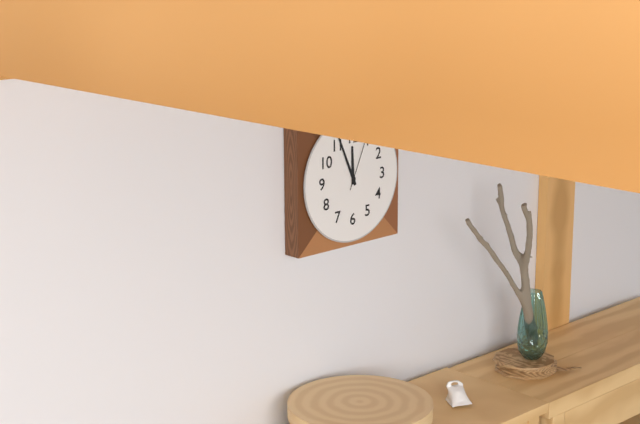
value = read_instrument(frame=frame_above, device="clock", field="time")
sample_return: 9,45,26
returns 11,56,04
